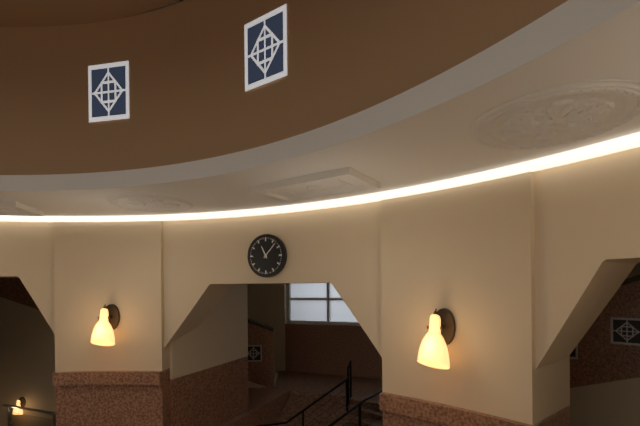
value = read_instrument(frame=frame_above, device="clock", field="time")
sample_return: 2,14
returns 11,07
